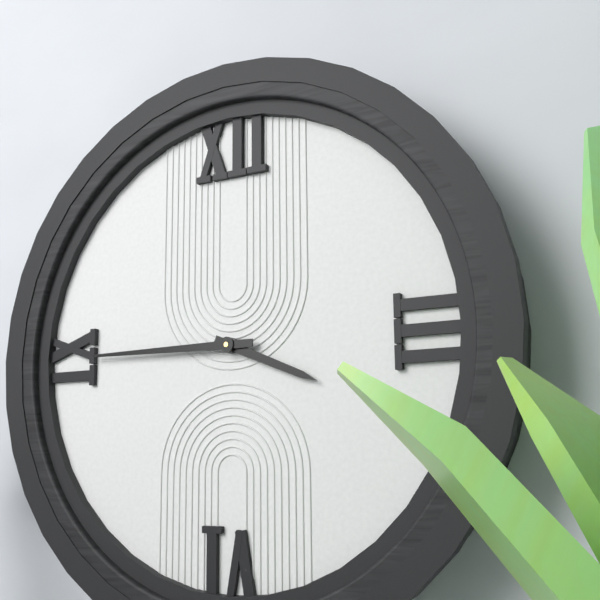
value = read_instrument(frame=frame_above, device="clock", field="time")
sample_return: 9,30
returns 3,45
